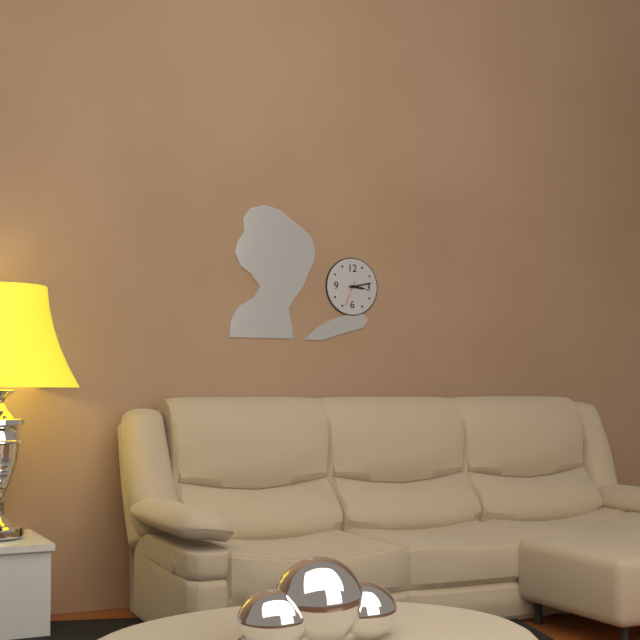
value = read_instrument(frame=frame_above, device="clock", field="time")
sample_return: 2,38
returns 3,13
